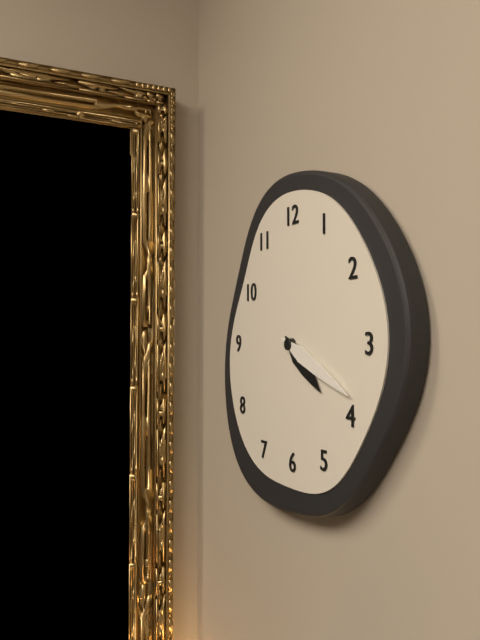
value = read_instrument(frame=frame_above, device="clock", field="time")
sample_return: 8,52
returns 4,19
